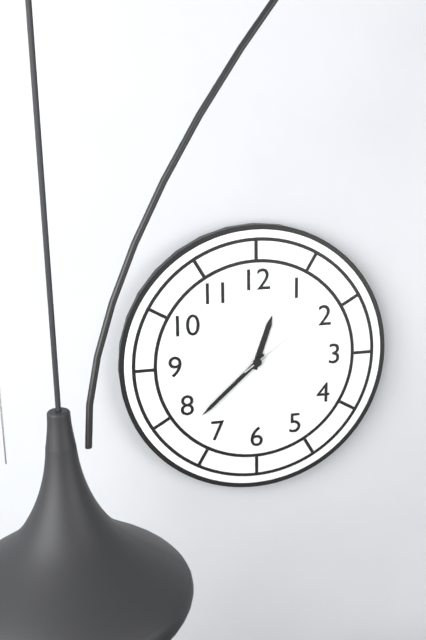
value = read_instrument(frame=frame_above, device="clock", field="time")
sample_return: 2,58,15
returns 12,38,09
